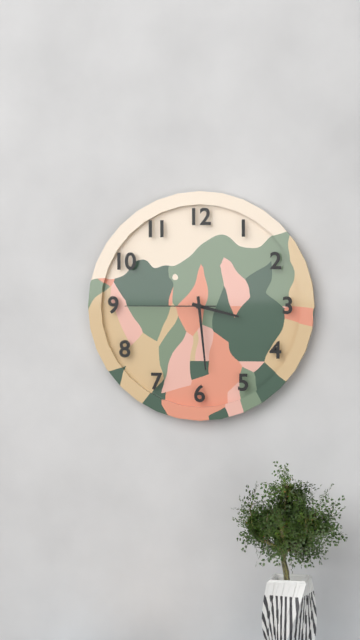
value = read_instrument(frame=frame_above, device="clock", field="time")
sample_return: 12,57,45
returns 3,29,45
